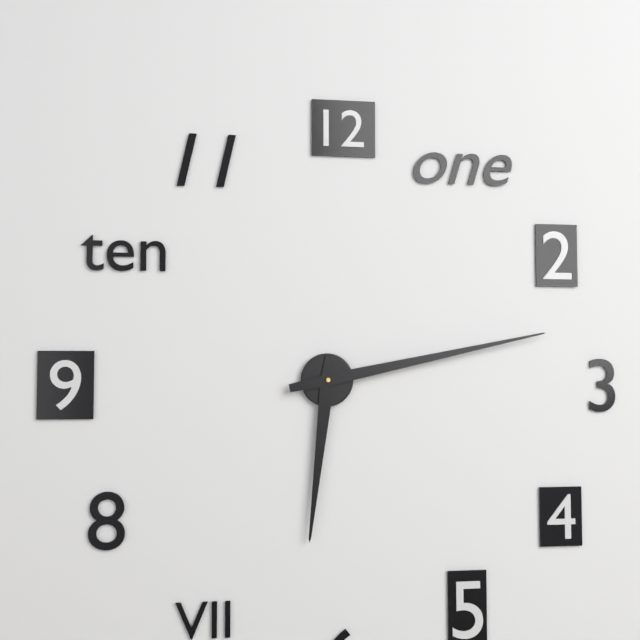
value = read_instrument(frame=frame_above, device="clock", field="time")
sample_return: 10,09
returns 6,13
